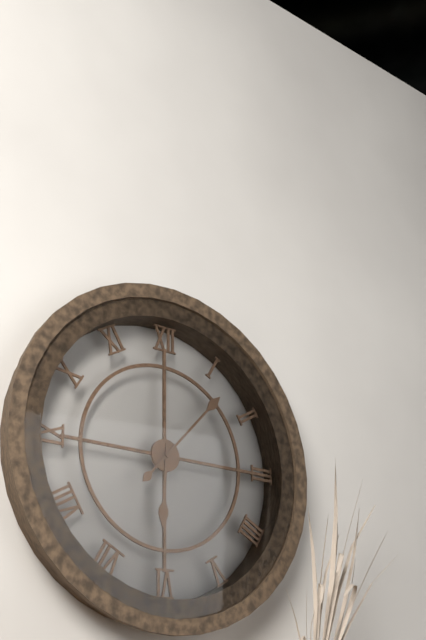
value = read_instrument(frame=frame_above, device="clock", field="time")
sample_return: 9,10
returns 6,07
